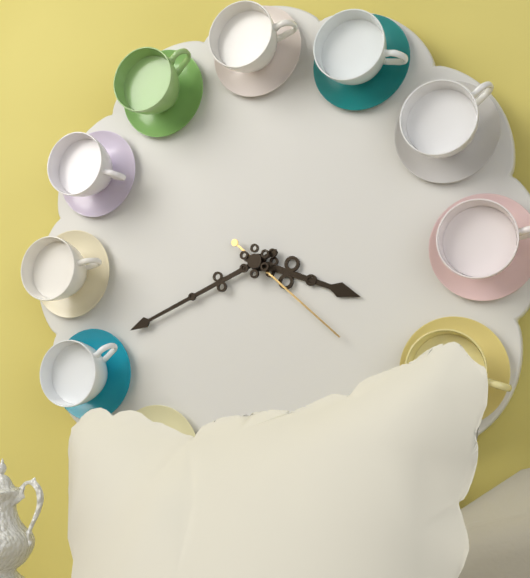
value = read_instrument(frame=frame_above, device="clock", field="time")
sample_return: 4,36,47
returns 3,41,22
